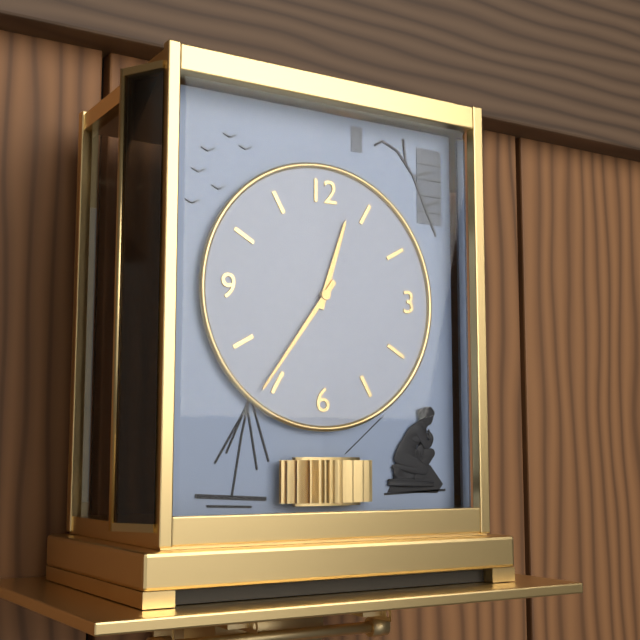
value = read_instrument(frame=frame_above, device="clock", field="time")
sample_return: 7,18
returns 12,36
